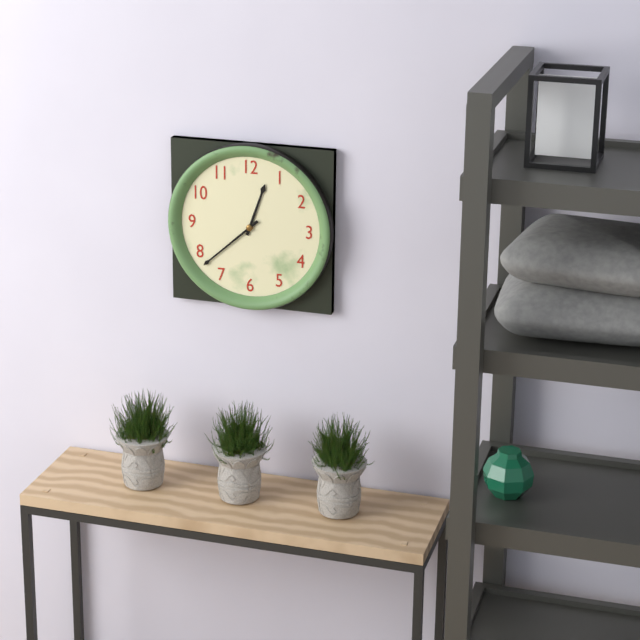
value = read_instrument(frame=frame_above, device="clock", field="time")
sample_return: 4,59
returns 12,38
